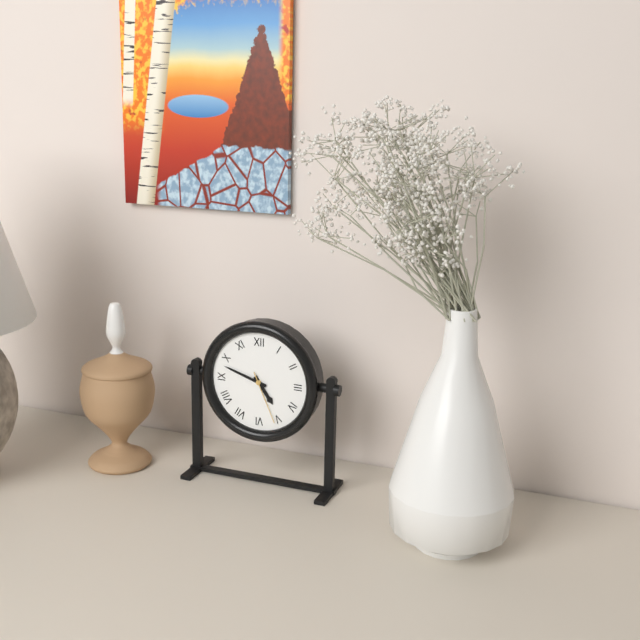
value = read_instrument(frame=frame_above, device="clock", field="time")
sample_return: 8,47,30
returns 4,48,26
